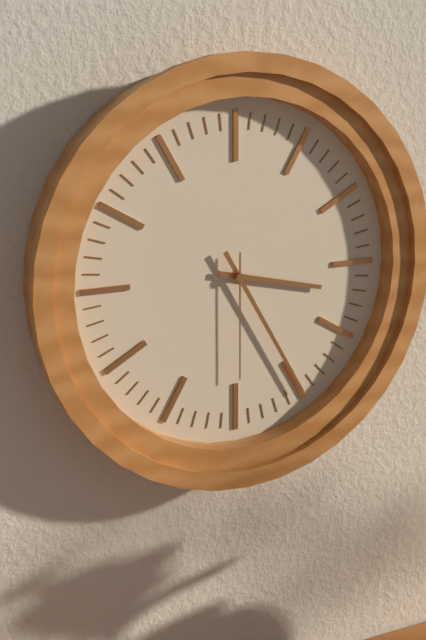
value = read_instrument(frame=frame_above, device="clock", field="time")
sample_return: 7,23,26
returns 3,25,30
